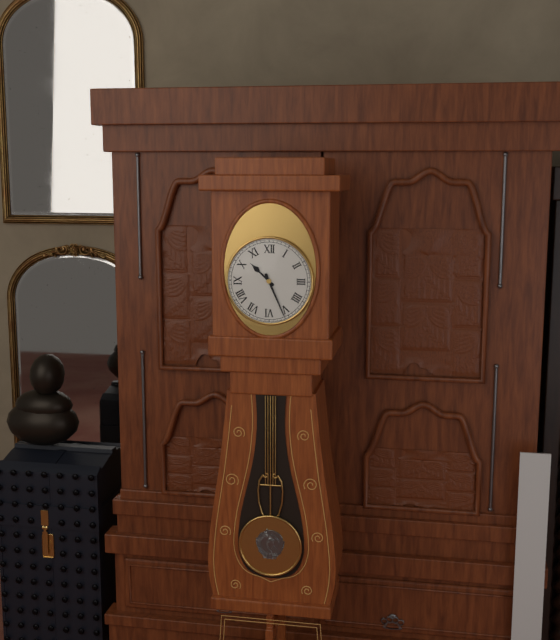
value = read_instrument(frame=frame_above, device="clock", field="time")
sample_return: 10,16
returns 10,26
